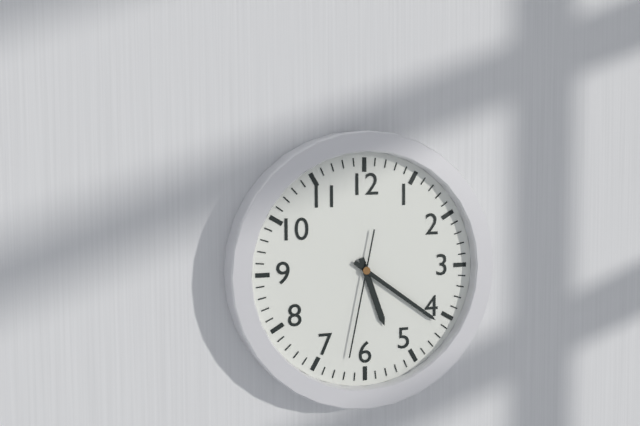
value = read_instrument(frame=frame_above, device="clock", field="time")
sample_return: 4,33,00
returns 5,21,32
